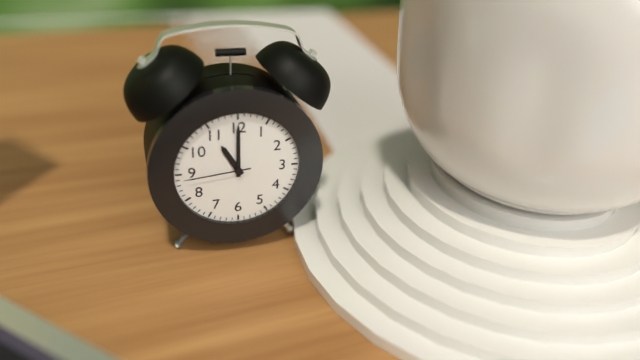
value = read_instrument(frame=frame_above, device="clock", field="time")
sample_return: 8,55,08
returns 11,00,44
